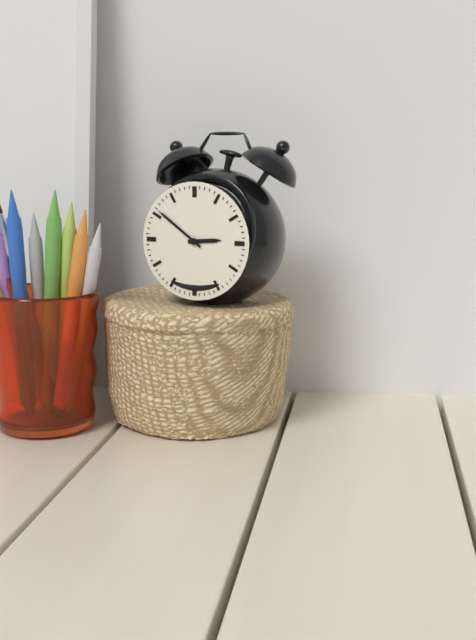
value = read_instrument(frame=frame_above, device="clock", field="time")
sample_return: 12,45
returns 2,51
